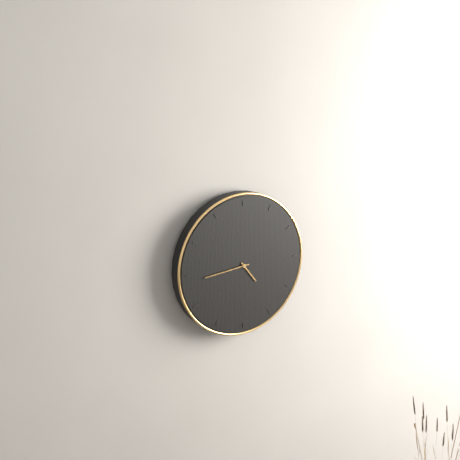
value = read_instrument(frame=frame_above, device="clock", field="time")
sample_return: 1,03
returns 4,44
